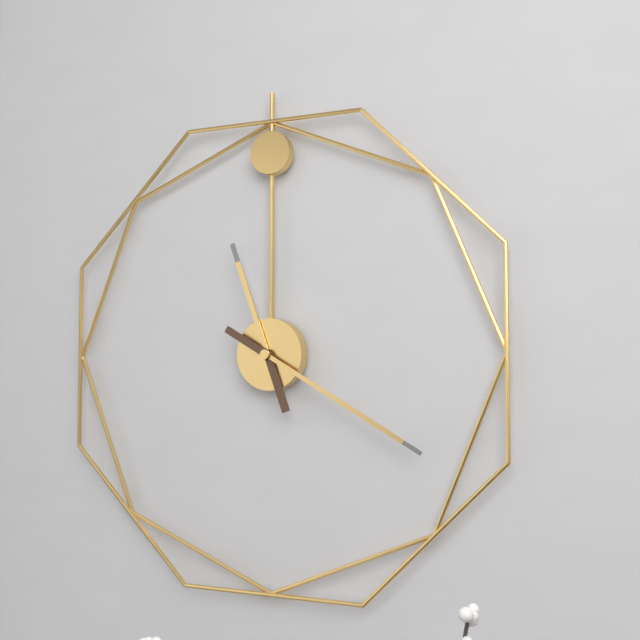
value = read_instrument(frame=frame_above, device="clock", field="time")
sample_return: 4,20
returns 11,20
